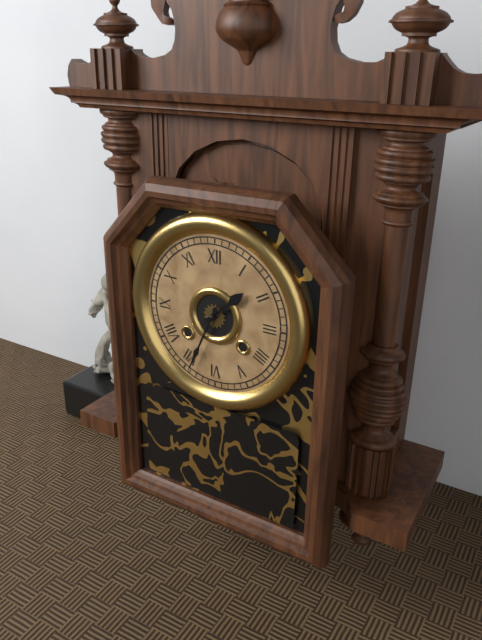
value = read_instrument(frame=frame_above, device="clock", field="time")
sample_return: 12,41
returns 1,34
